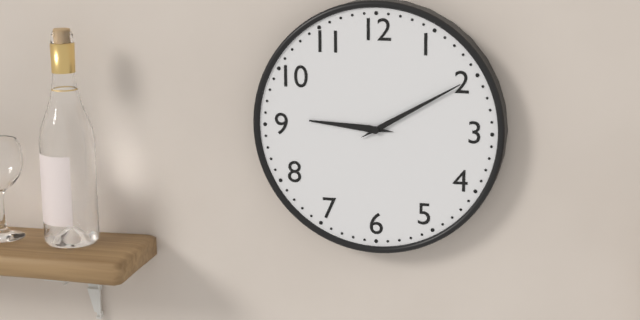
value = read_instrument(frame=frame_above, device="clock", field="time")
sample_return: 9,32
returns 9,10
